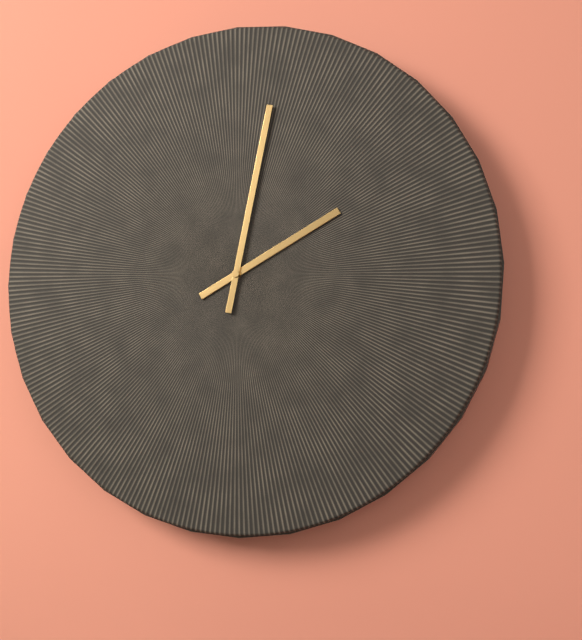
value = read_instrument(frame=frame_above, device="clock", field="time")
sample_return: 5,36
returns 2,02
